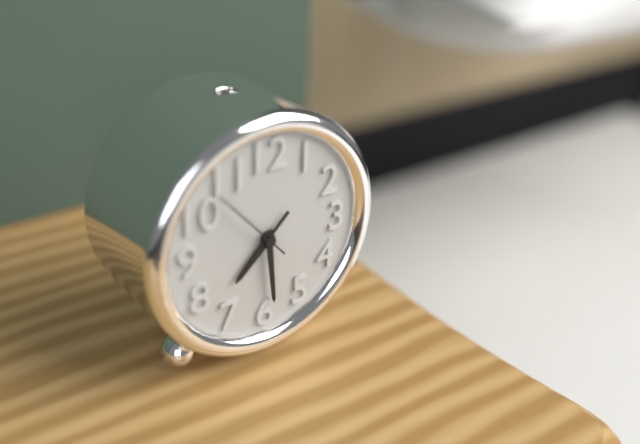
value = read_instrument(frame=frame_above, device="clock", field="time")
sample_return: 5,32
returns 7,29
